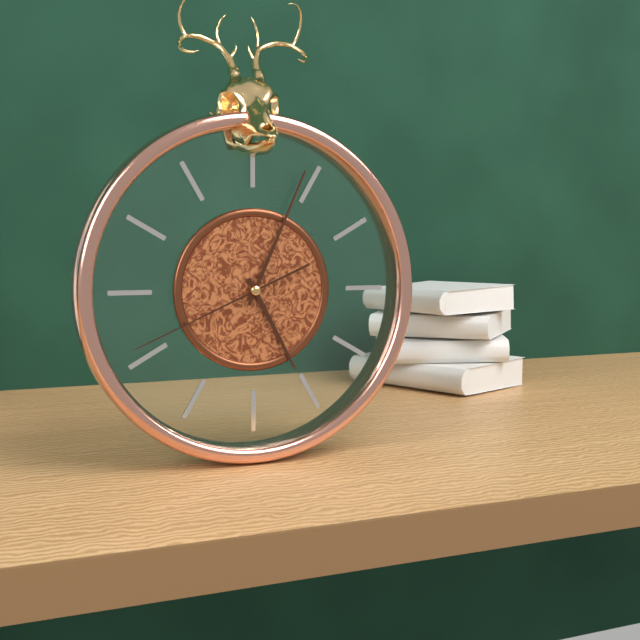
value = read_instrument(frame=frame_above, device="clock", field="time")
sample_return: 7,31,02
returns 5,04,41
